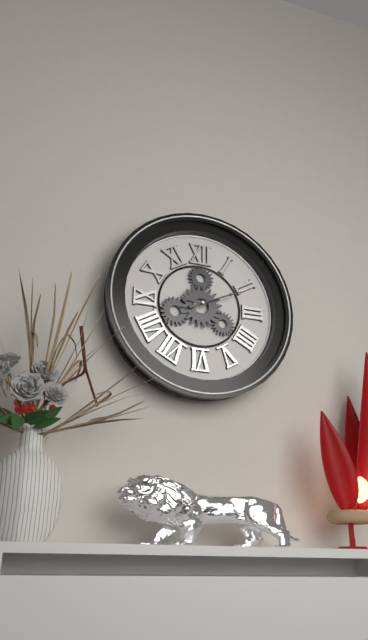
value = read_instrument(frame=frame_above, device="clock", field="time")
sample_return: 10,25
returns 9,11
